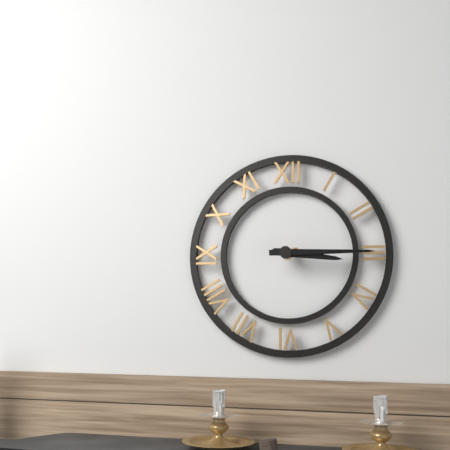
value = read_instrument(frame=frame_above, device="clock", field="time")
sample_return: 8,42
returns 3,15
